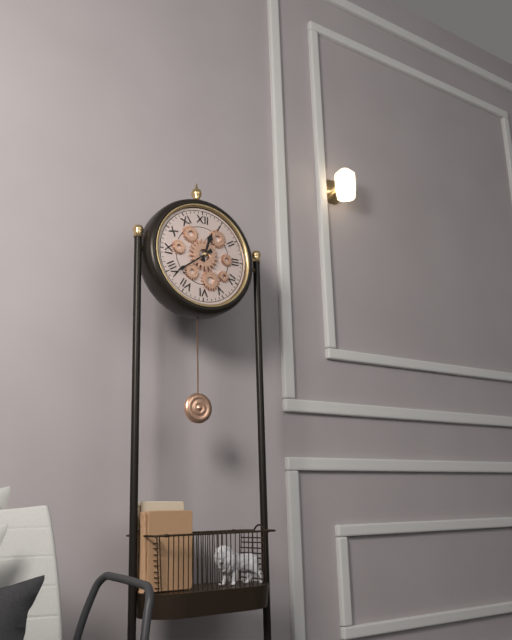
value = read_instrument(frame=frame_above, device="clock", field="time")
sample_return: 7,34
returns 12,39
